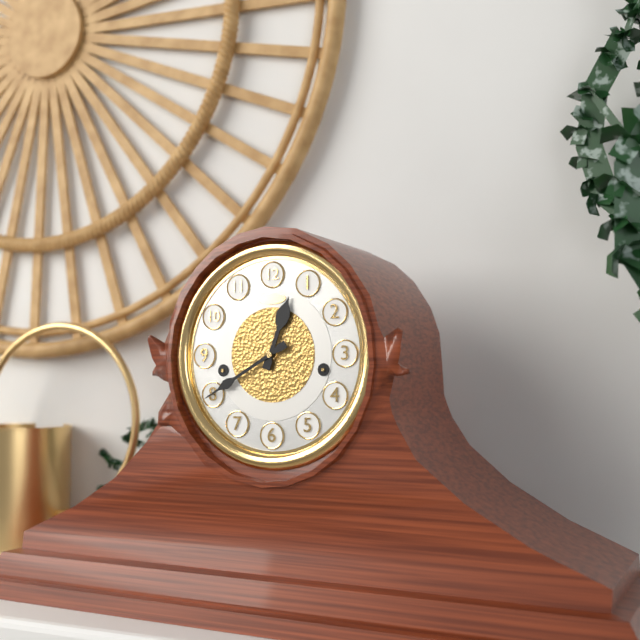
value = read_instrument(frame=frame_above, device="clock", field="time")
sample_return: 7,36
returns 12,40
